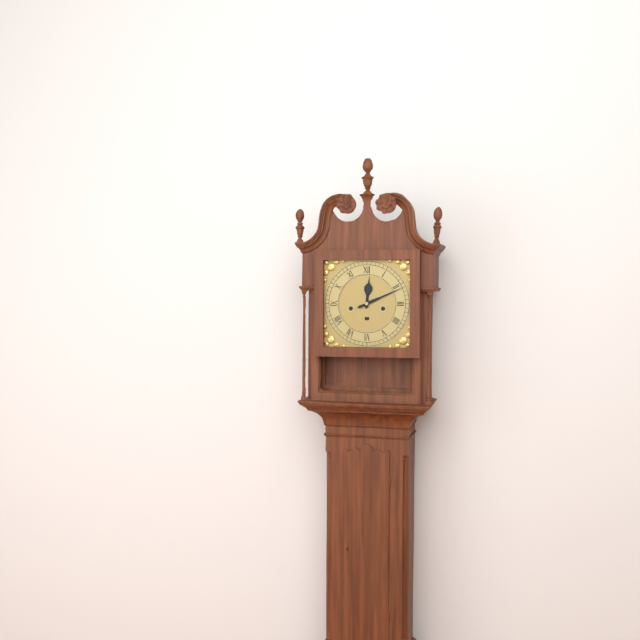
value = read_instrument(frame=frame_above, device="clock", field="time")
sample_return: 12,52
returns 12,11
